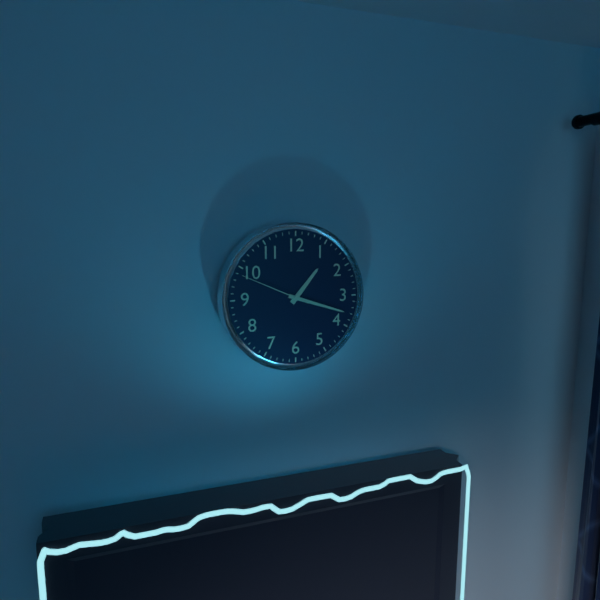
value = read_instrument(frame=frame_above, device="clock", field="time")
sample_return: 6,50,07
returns 1,18,49
